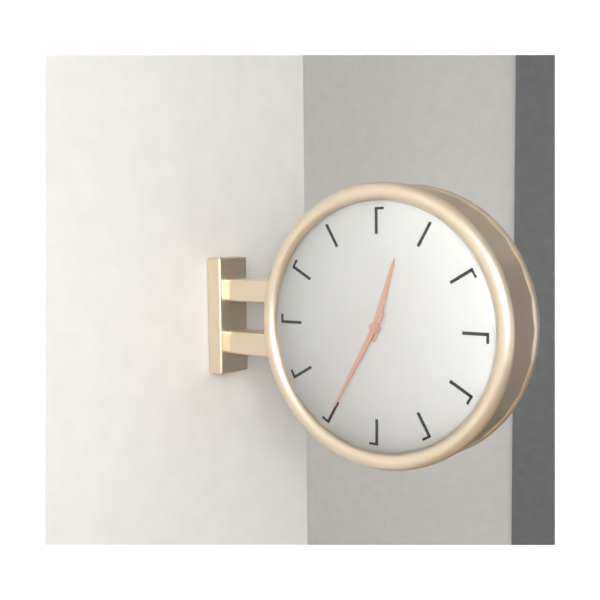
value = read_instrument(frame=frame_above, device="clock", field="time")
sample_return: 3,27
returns 12,35
